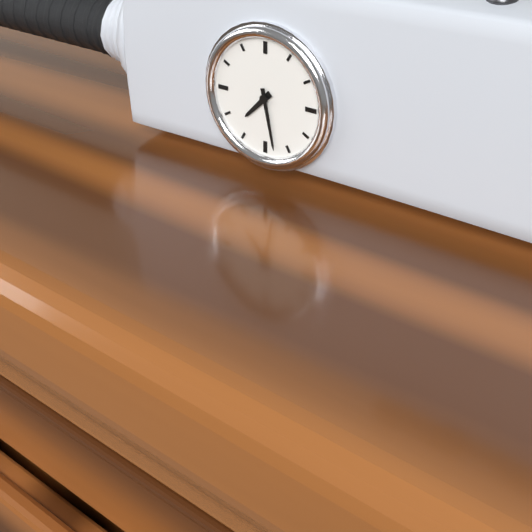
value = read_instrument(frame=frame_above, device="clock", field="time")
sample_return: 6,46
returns 7,28
